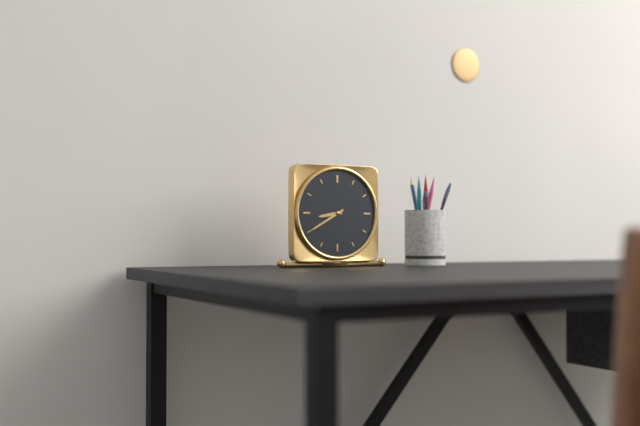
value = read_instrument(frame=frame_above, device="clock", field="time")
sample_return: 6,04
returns 8,40
